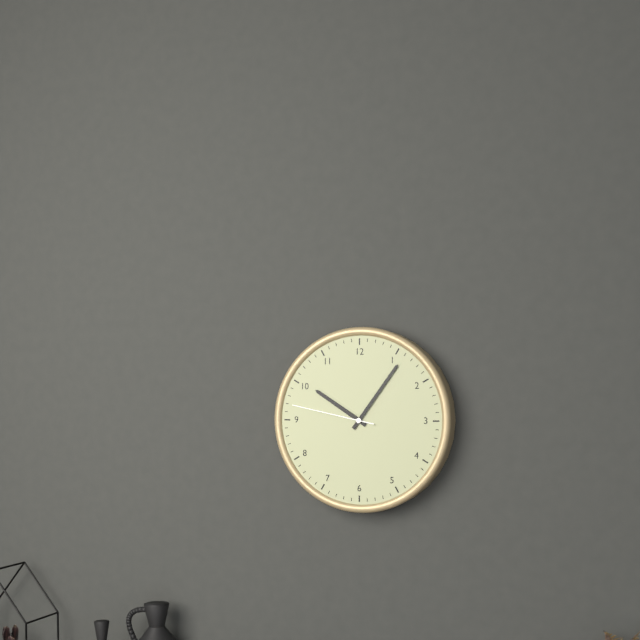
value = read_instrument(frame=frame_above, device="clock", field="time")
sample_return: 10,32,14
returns 10,06,47
